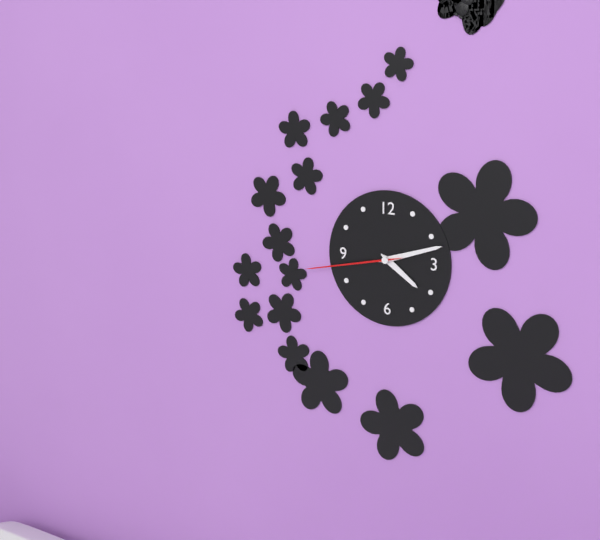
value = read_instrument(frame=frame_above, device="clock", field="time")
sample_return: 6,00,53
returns 4,12,43
